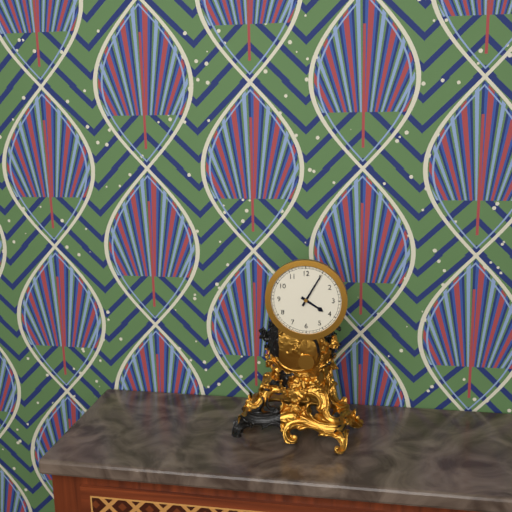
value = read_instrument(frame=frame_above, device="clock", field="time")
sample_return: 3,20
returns 4,05
